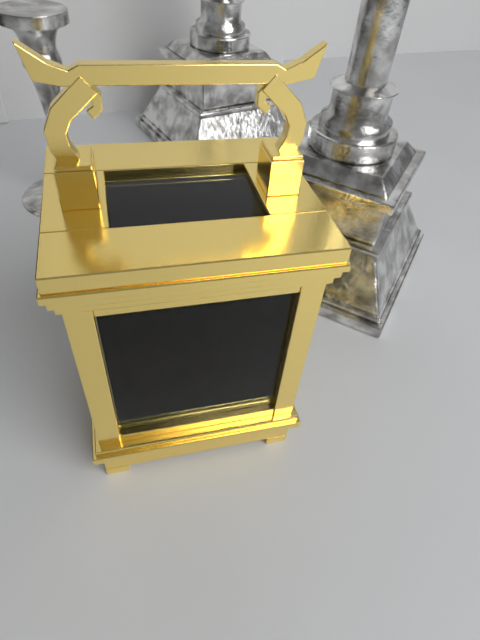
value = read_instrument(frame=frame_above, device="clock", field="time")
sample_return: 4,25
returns 8,42
